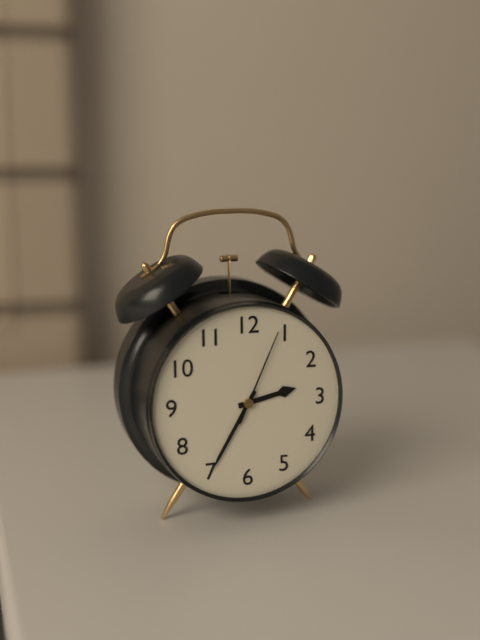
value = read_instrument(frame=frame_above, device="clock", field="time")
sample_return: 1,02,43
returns 2,35,04
